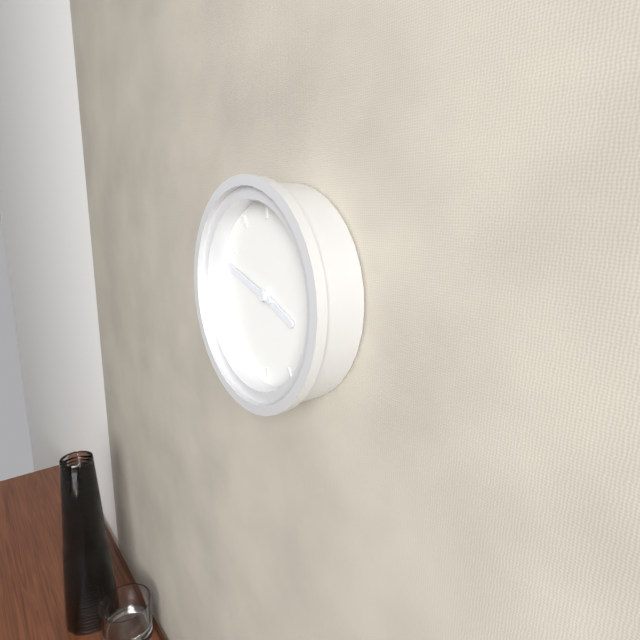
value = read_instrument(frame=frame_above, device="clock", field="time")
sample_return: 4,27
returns 3,48
